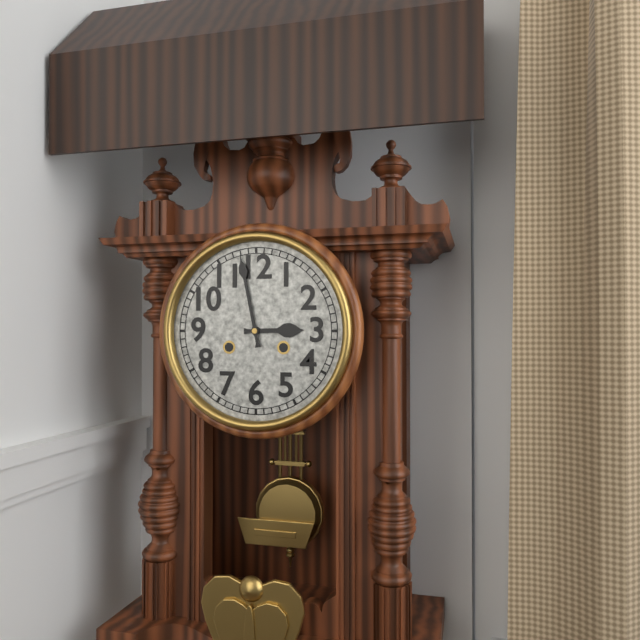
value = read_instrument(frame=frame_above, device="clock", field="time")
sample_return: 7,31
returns 2,58
